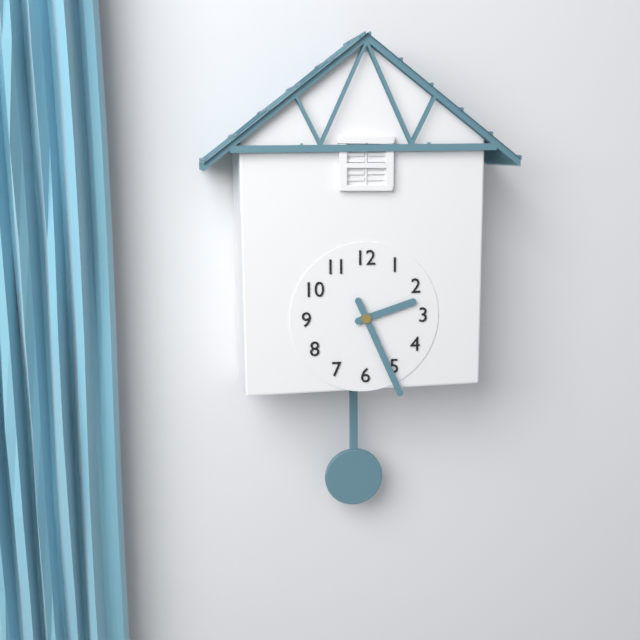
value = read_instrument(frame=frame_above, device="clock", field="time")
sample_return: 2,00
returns 2,26
